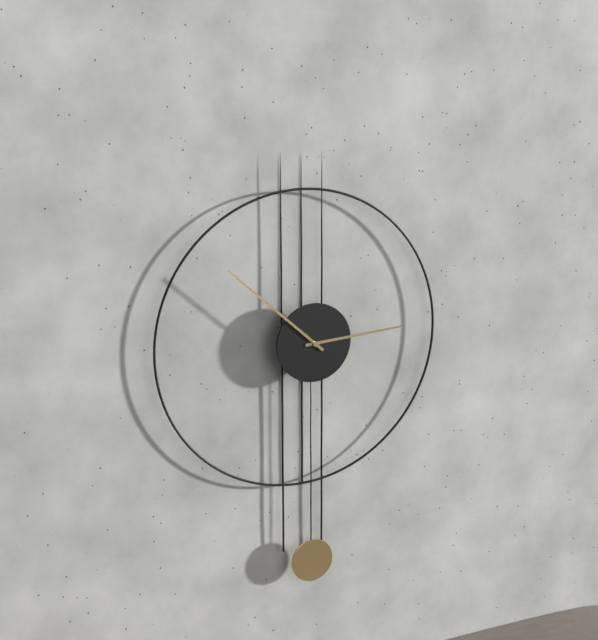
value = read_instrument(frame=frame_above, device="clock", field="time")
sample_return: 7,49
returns 2,52
